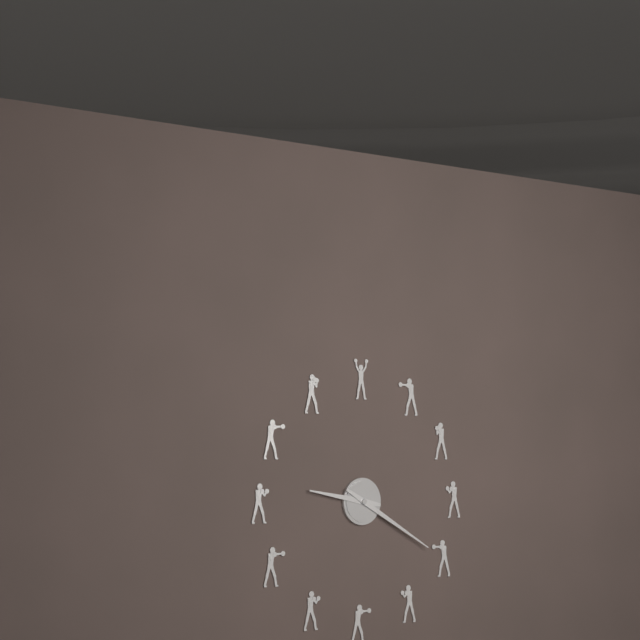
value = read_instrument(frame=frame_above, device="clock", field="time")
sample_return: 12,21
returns 9,20
